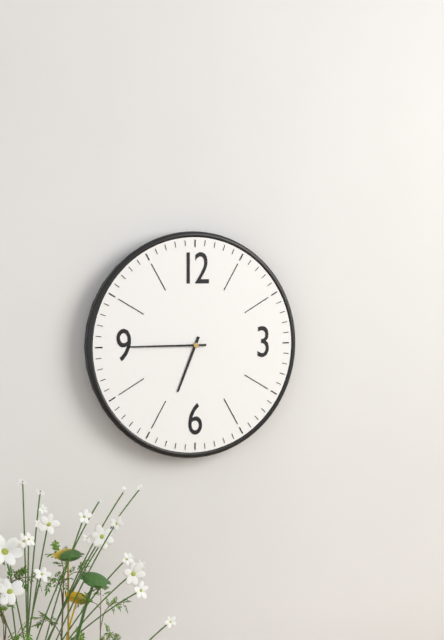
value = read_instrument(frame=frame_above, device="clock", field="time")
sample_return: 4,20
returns 6,45
